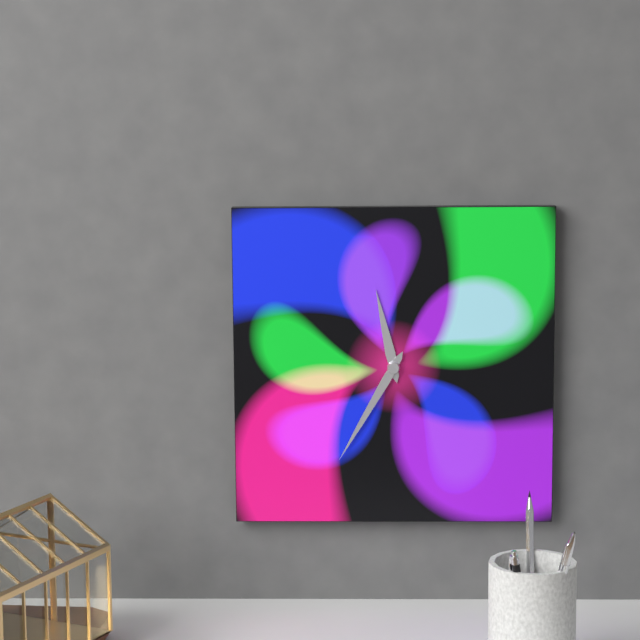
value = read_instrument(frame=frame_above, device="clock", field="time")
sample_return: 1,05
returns 11,35
